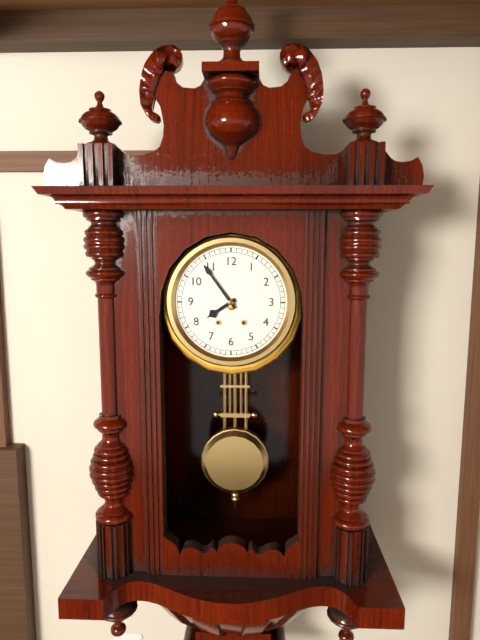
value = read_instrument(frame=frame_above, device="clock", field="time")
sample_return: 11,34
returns 7,54
